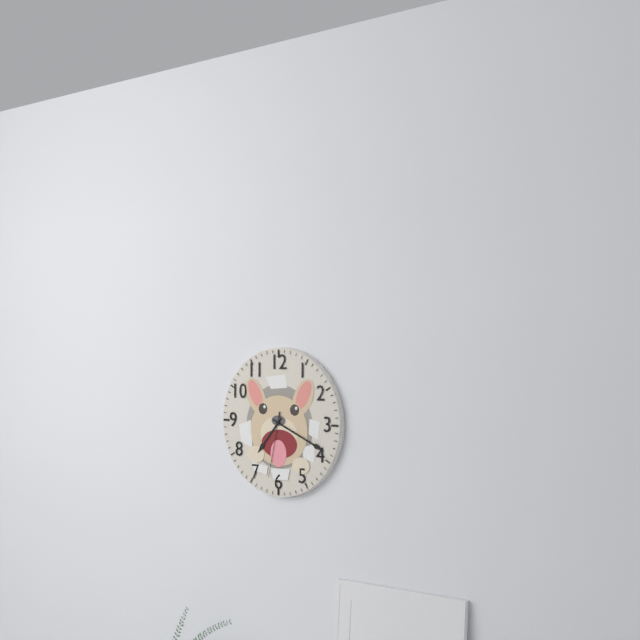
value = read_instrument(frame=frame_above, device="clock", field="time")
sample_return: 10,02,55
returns 7,19,32
